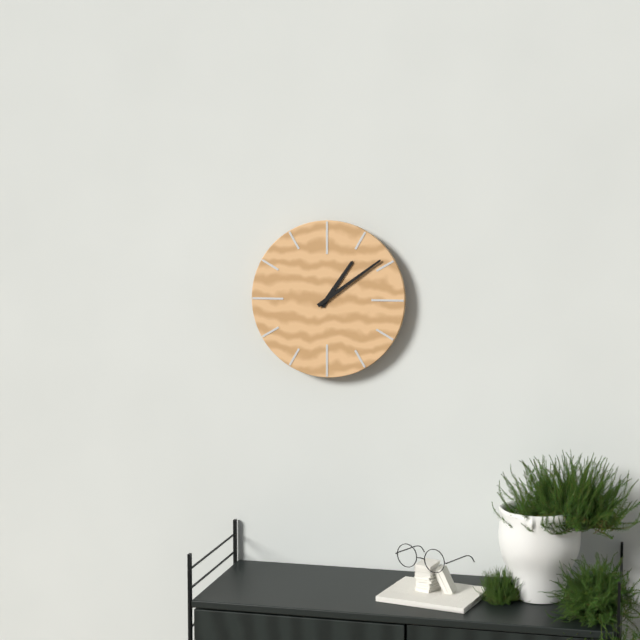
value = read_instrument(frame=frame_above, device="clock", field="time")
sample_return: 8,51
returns 1,09
